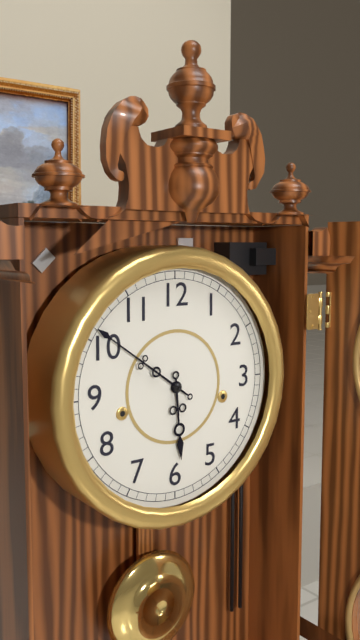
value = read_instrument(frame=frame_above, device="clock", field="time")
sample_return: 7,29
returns 5,51
